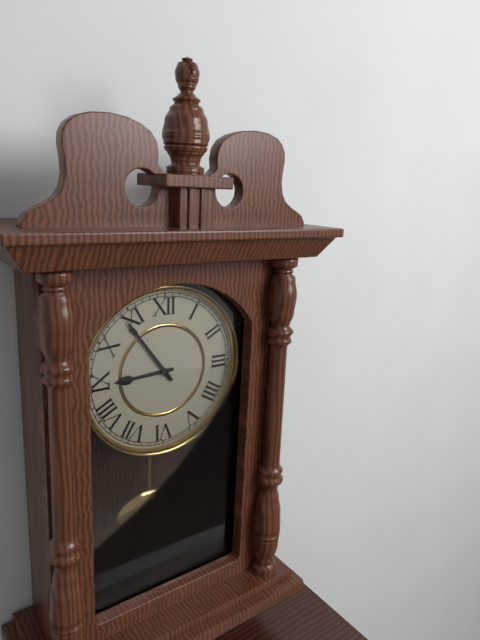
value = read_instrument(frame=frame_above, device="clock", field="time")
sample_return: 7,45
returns 8,54
